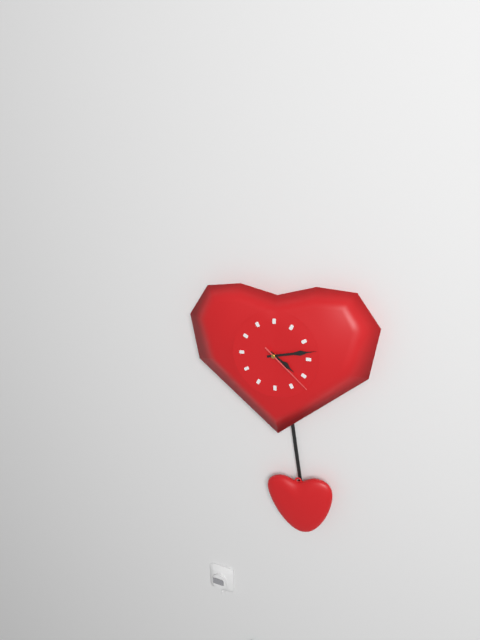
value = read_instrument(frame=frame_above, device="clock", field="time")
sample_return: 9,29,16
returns 4,13,22
